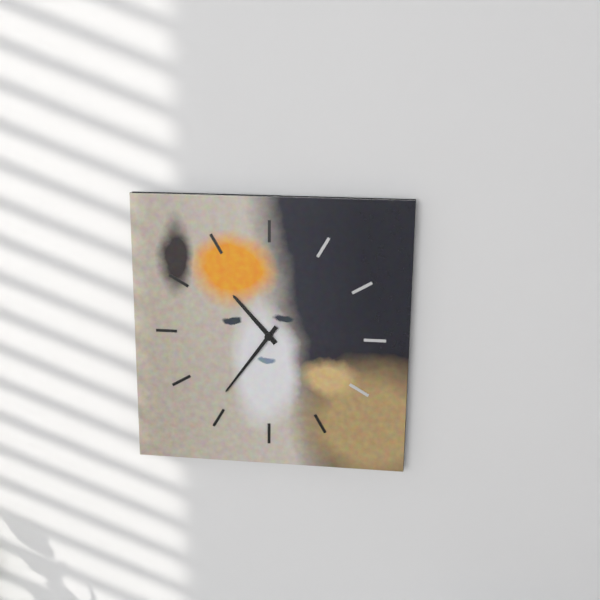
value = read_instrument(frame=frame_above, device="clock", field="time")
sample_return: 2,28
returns 10,36
